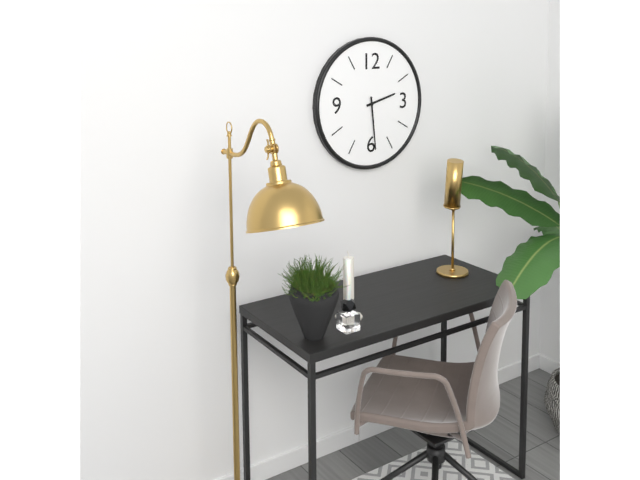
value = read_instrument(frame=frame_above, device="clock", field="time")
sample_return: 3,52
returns 2,29
